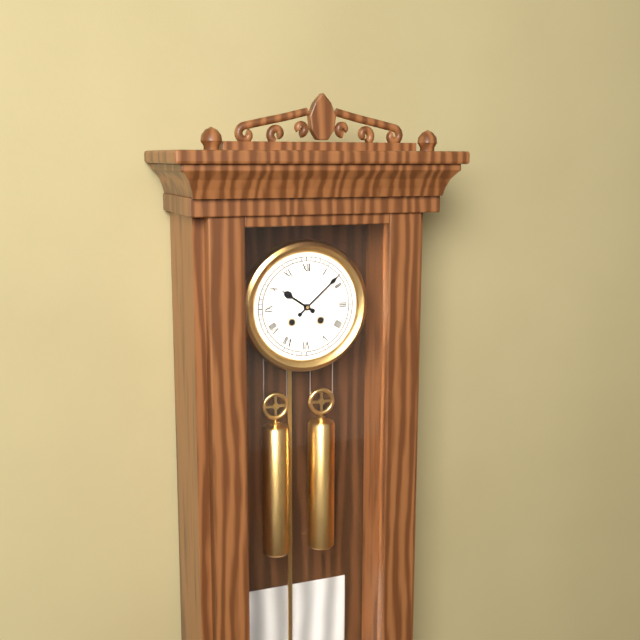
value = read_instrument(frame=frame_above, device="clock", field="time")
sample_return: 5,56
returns 10,08
